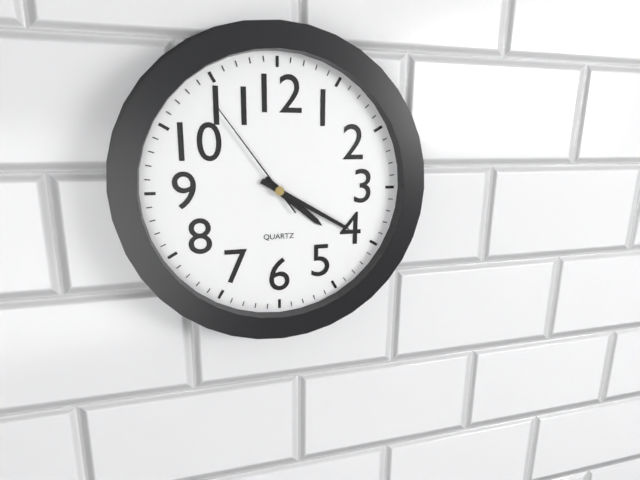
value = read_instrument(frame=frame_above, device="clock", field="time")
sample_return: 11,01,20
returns 4,20,54
